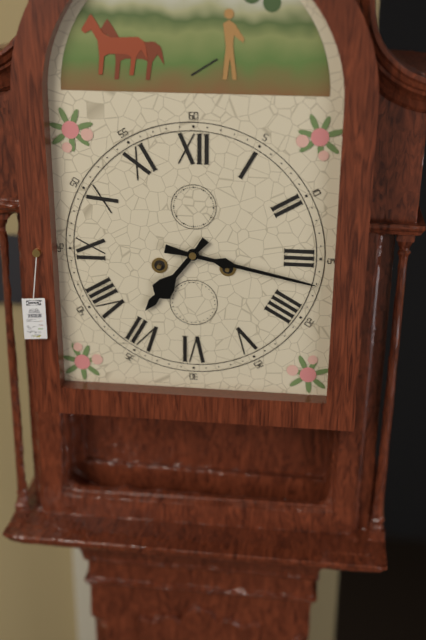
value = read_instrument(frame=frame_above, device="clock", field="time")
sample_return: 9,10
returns 7,17
